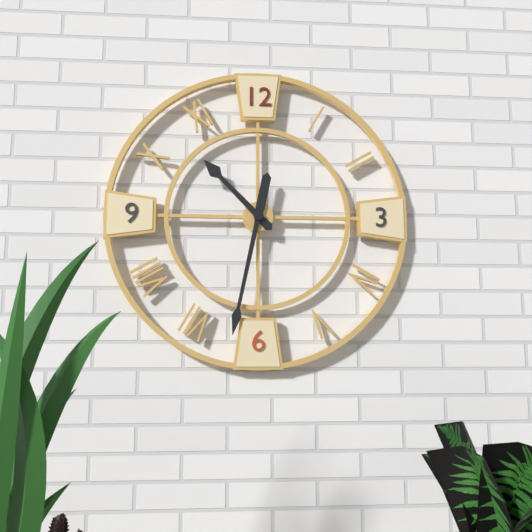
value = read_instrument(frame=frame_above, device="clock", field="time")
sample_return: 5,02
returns 10,32
